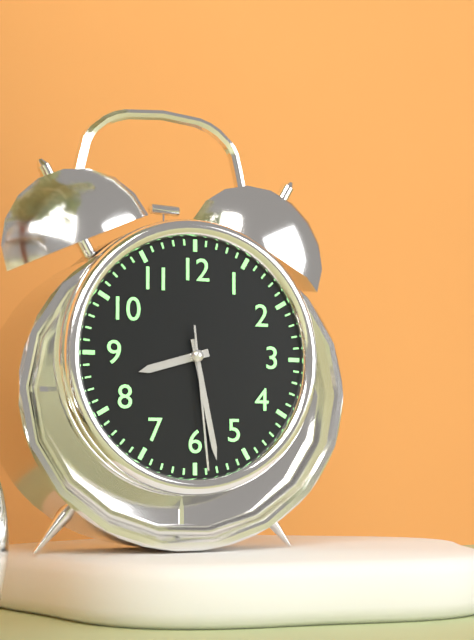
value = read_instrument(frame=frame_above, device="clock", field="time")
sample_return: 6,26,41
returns 8,28,29
